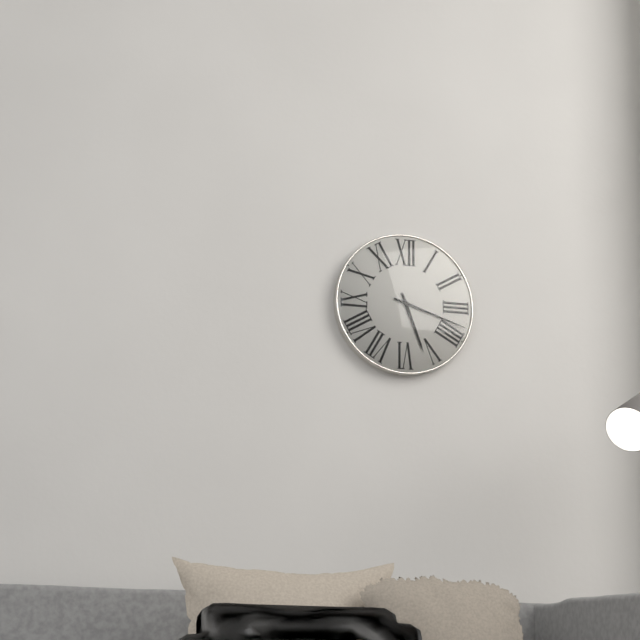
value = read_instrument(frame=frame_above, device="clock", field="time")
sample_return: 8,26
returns 5,18
